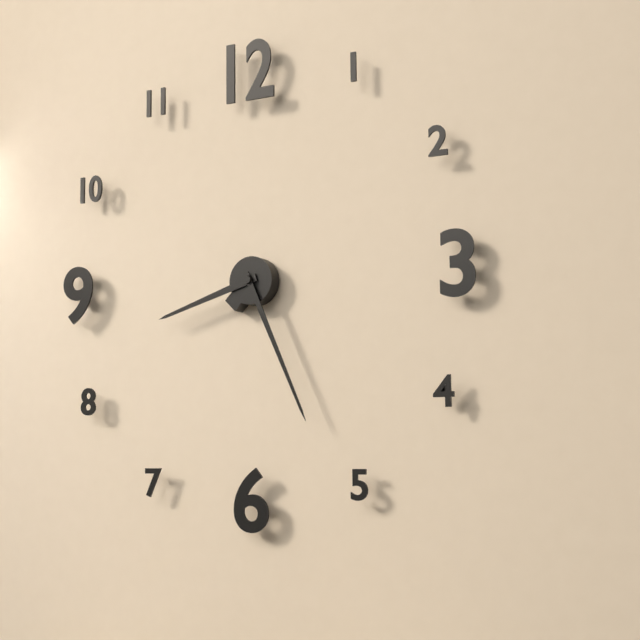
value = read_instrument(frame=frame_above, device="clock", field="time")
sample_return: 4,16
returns 8,26
